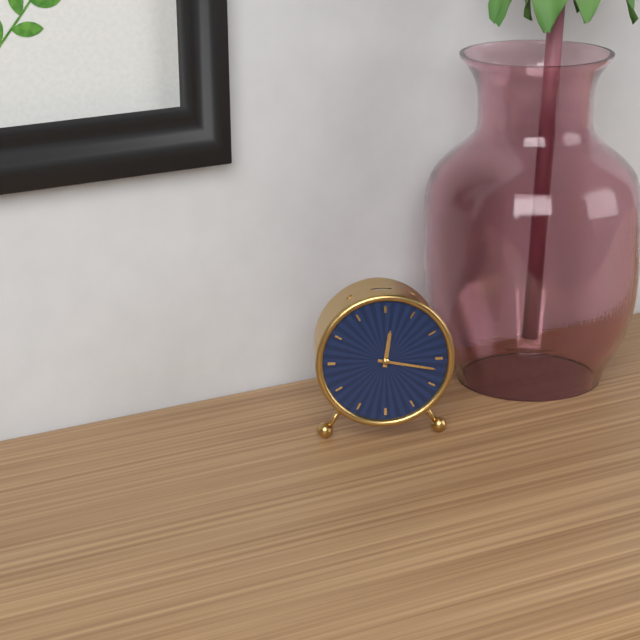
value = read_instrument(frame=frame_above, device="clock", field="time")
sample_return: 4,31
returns 12,17
